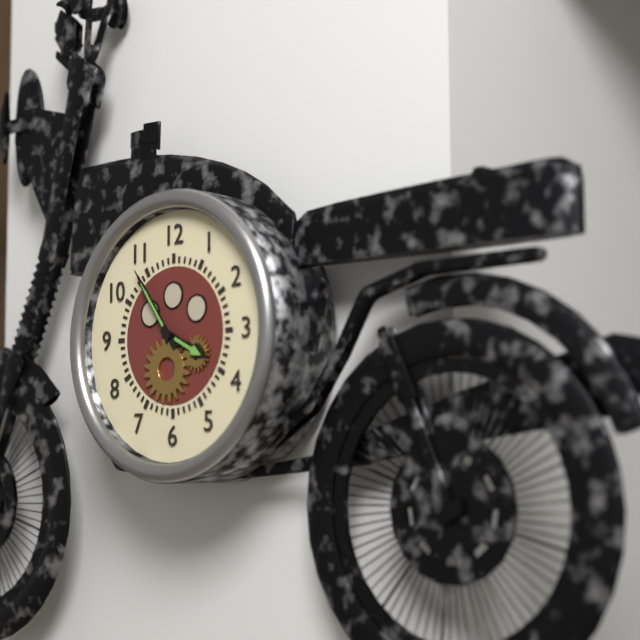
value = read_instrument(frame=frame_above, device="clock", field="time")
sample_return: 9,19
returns 3,54
